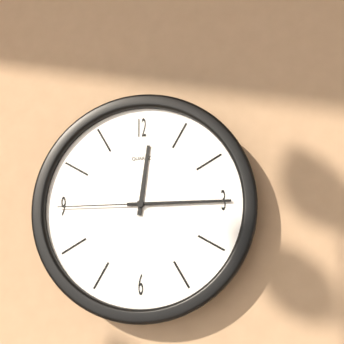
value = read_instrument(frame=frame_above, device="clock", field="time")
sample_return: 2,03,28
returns 12,15,45
